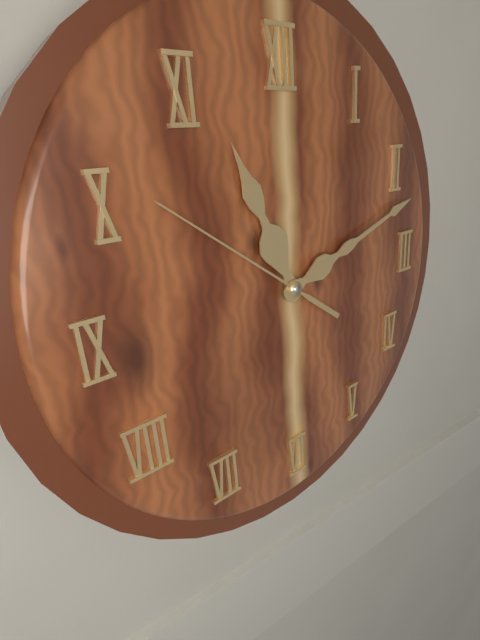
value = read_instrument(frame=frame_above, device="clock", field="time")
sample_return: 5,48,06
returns 11,12,51
